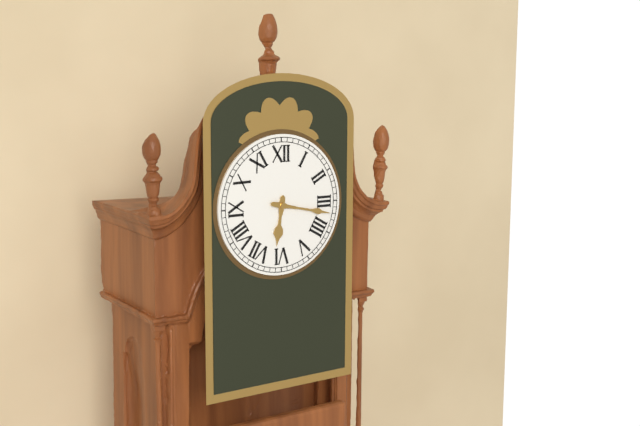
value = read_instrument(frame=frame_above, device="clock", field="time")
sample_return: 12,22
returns 6,17
